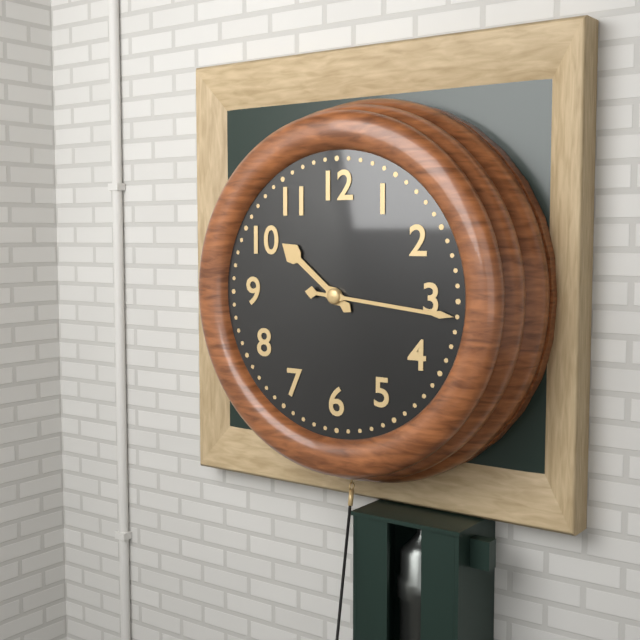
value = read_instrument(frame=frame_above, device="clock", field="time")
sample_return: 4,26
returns 10,16
